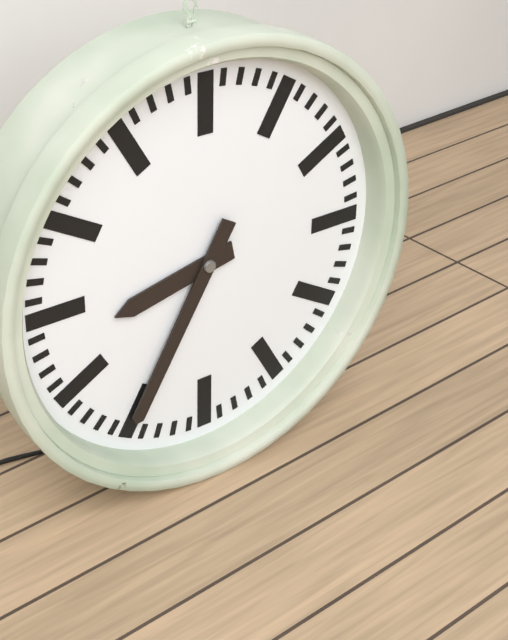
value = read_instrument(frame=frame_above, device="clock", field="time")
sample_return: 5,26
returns 8,35
